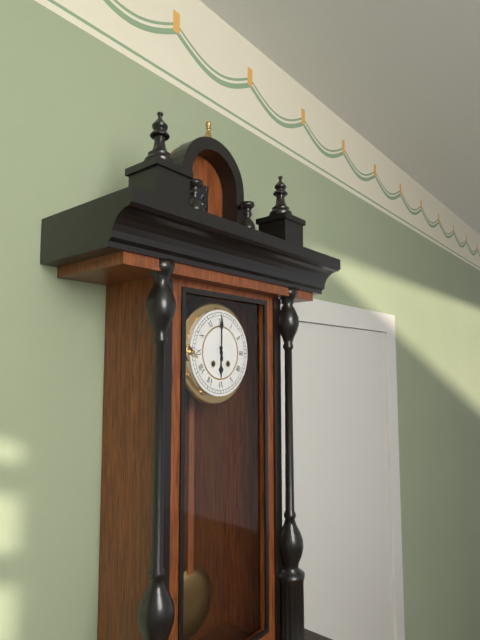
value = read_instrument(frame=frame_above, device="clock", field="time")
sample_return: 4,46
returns 6,00
